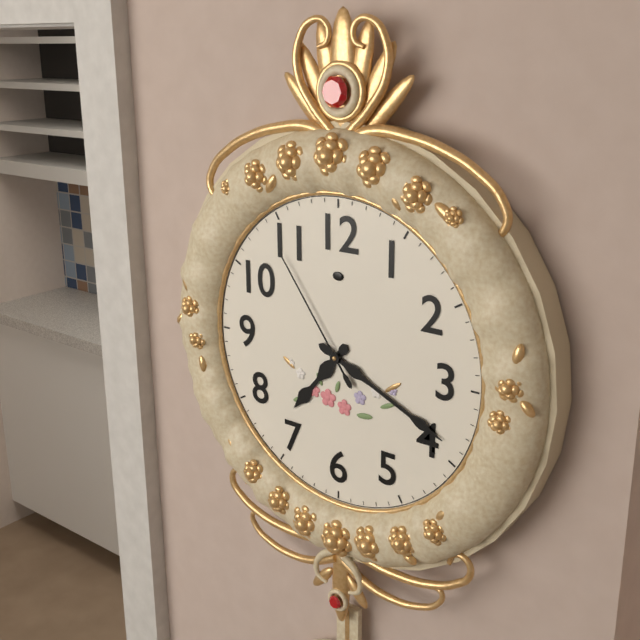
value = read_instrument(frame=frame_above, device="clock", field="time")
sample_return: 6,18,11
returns 7,19,54
